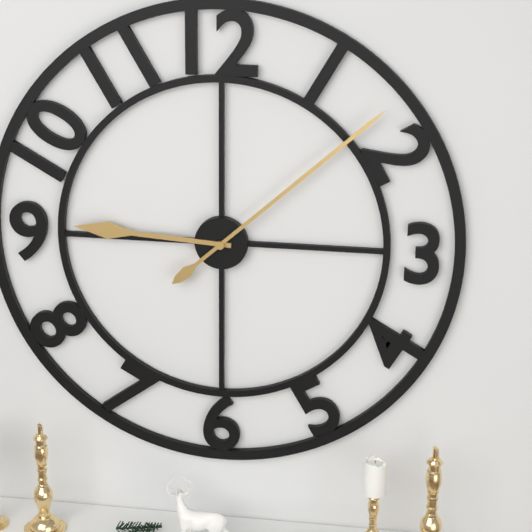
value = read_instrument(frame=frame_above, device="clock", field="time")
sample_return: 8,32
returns 9,08
